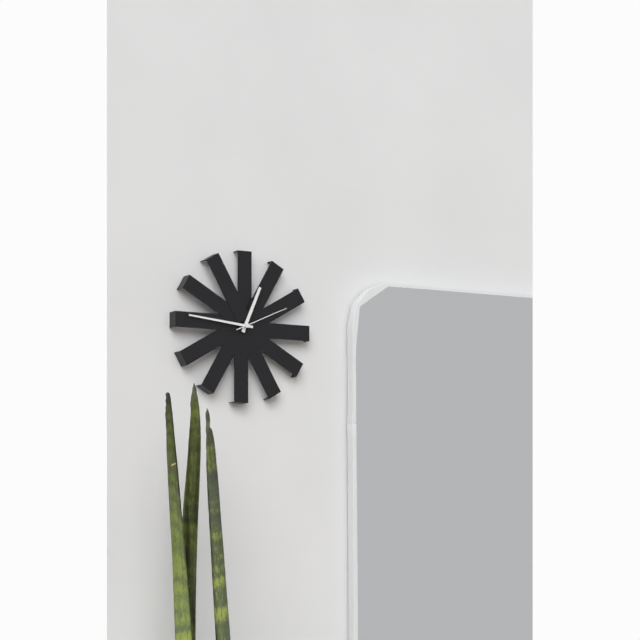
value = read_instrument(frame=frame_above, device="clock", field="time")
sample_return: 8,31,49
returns 12,46,11
